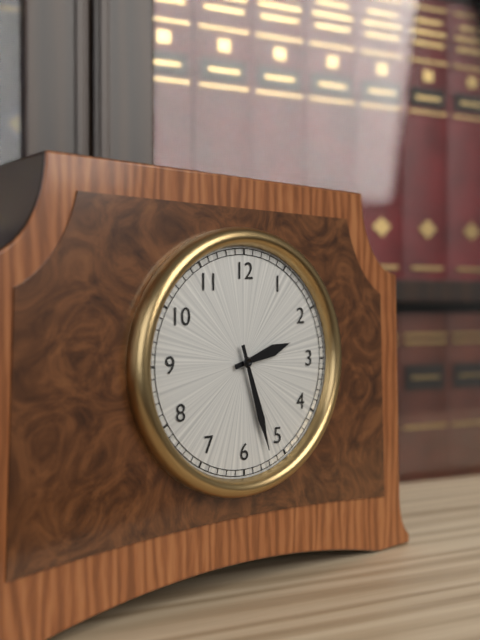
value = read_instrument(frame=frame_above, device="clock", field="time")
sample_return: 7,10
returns 2,27
